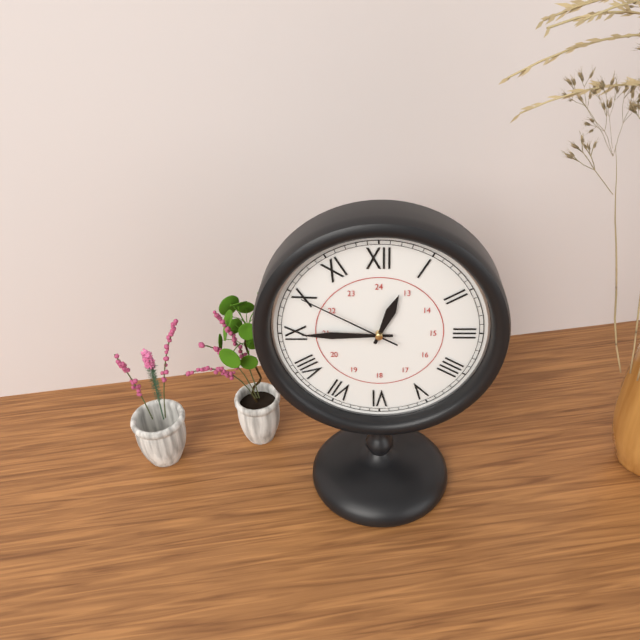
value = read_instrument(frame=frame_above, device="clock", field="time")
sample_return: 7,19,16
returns 12,45,50
